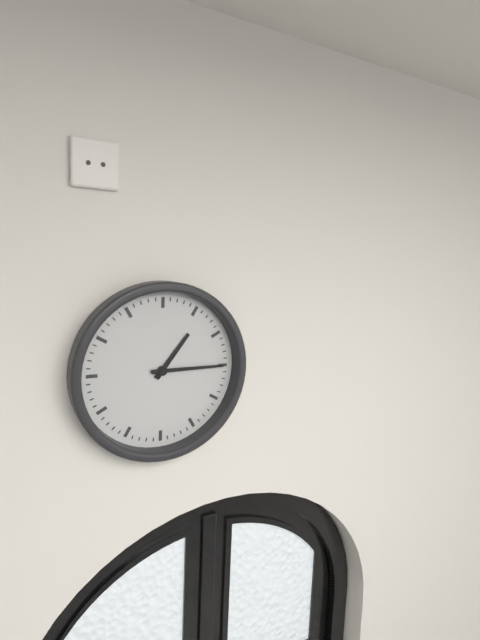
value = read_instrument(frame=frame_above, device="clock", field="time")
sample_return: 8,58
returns 1,15
